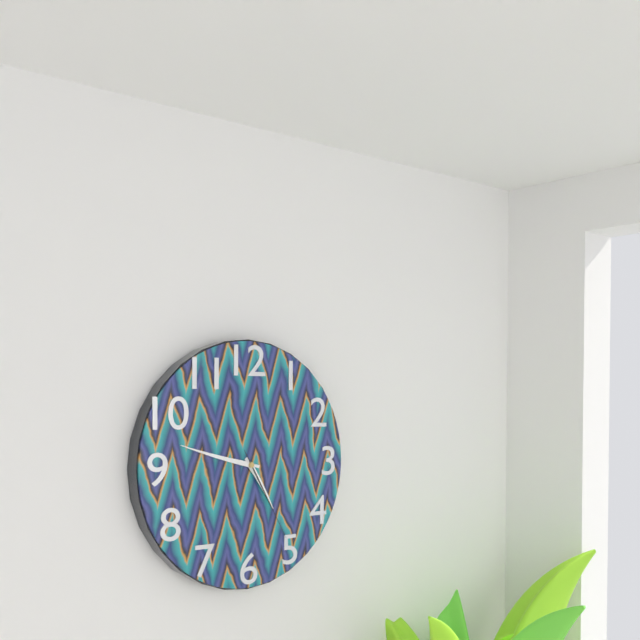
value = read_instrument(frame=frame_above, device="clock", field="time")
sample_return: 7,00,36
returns 4,47,25
